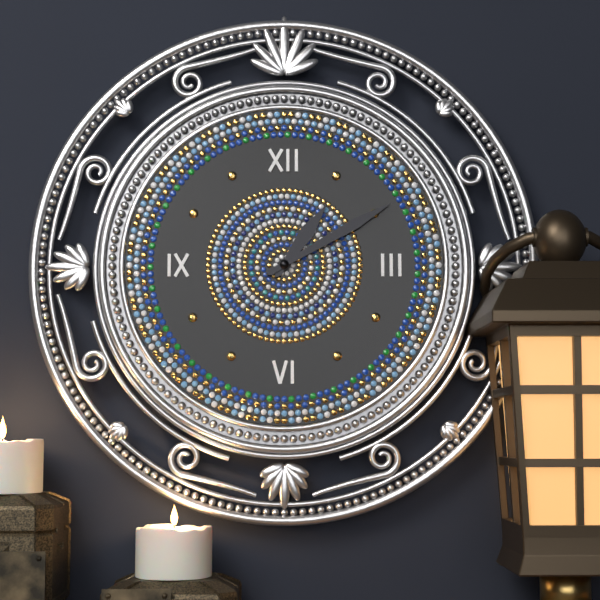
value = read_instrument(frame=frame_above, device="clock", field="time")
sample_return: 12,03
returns 1,10
